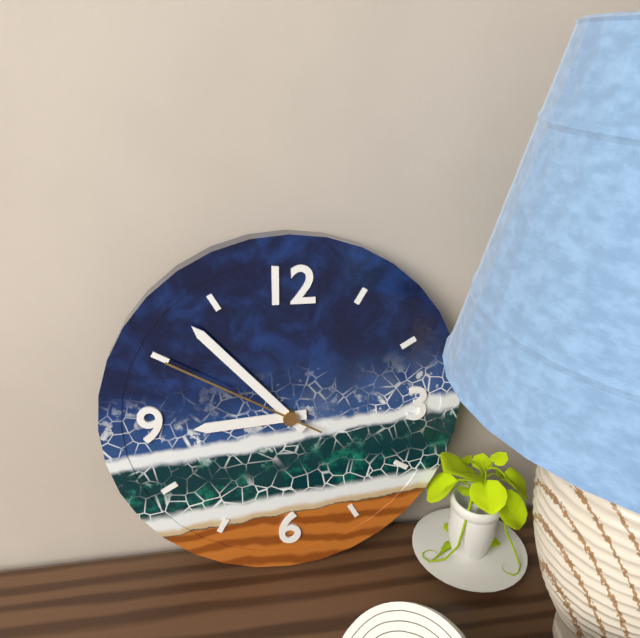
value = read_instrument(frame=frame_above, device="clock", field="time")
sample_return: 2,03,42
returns 8,53,50
